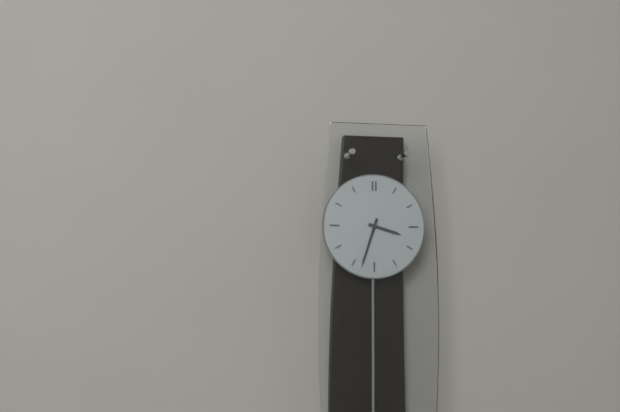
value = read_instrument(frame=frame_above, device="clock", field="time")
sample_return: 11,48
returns 3,33
